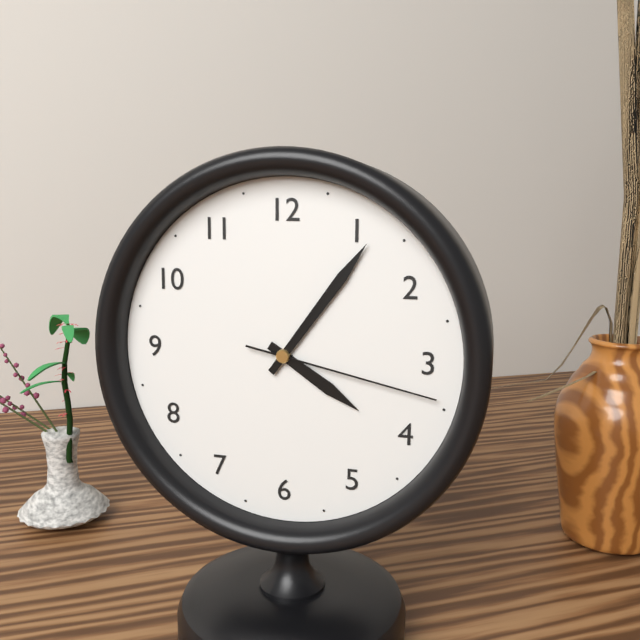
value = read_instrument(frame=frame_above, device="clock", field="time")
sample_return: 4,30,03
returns 4,06,17
